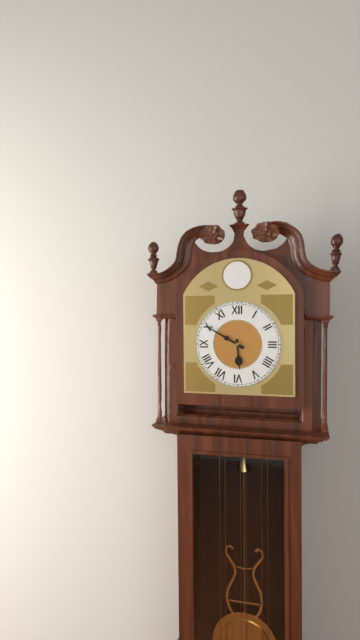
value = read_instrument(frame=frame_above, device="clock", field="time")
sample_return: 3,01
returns 5,50
